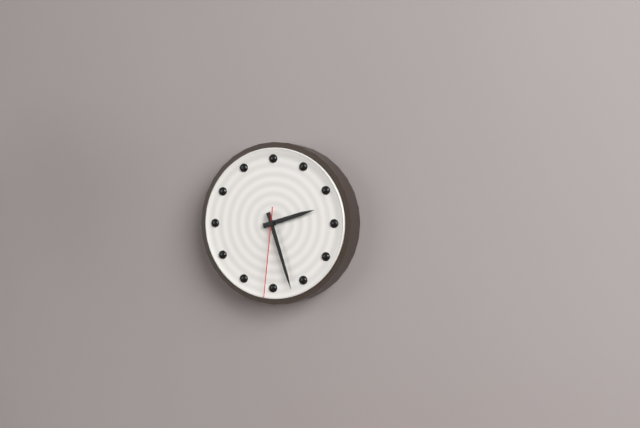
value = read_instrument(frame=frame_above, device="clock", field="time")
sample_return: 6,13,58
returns 2,27,31
